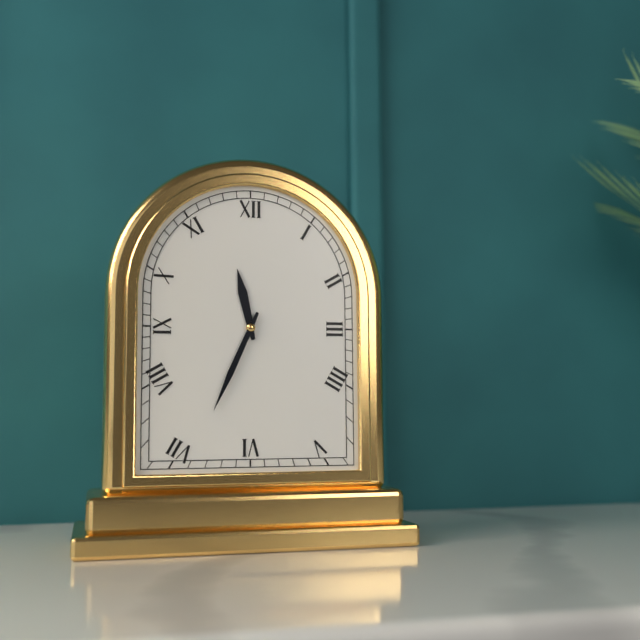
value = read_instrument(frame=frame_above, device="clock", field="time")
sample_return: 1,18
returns 11,34
